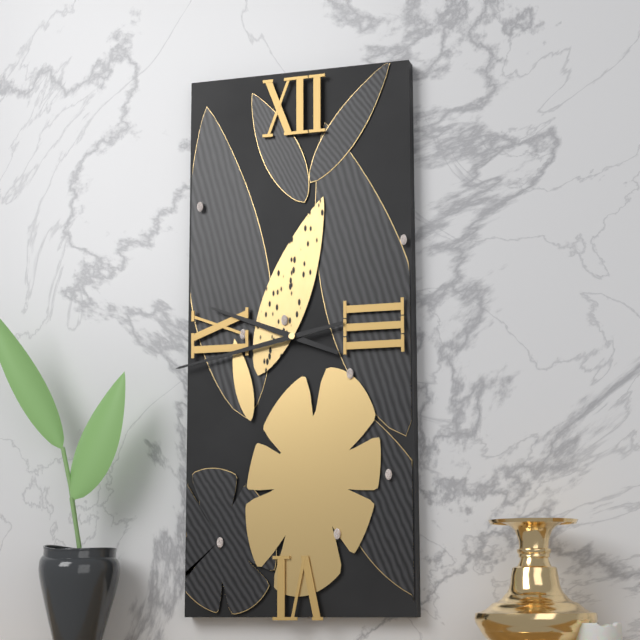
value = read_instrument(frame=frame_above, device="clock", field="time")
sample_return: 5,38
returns 9,43
